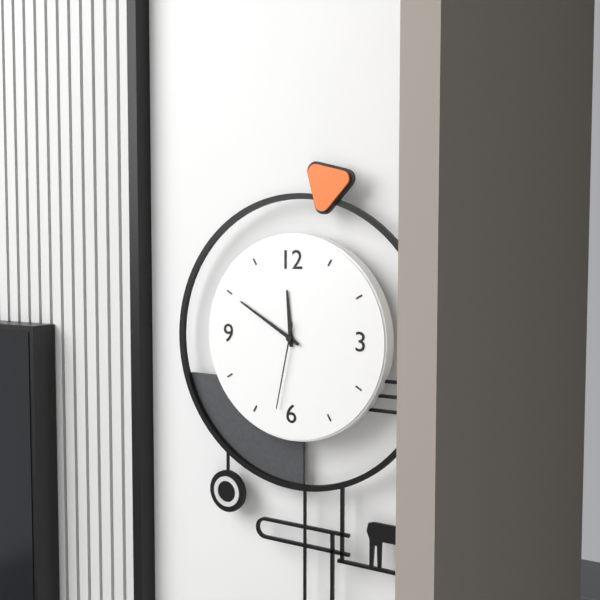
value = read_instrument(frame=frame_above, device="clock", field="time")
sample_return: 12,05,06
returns 11,50,32
